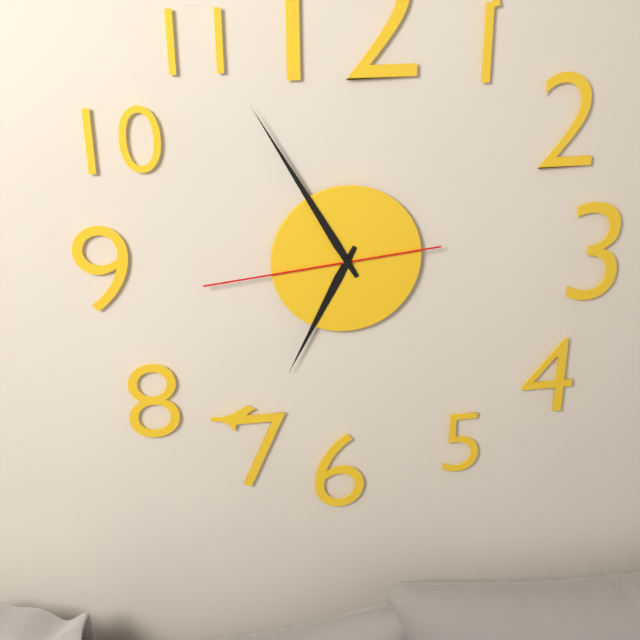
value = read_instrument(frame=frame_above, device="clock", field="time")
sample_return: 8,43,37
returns 6,55,44
